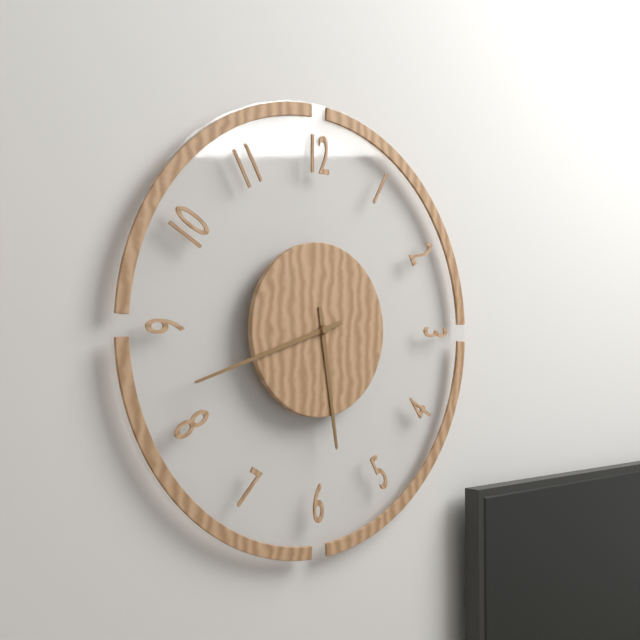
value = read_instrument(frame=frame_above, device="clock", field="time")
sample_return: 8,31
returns 5,42
